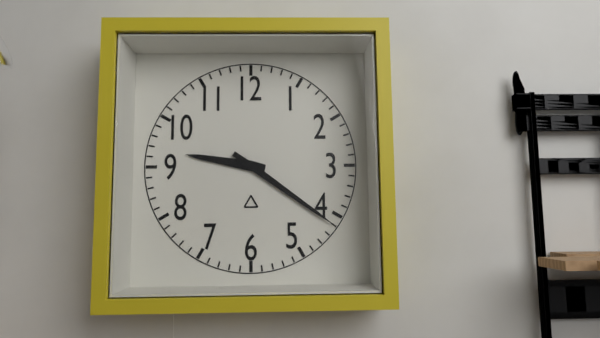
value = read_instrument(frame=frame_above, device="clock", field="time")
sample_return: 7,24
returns 9,21
